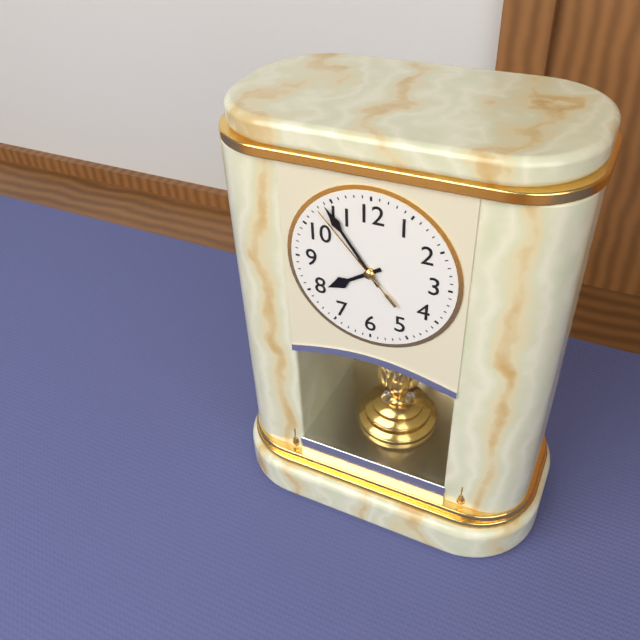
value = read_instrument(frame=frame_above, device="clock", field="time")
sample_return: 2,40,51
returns 7,54,53
